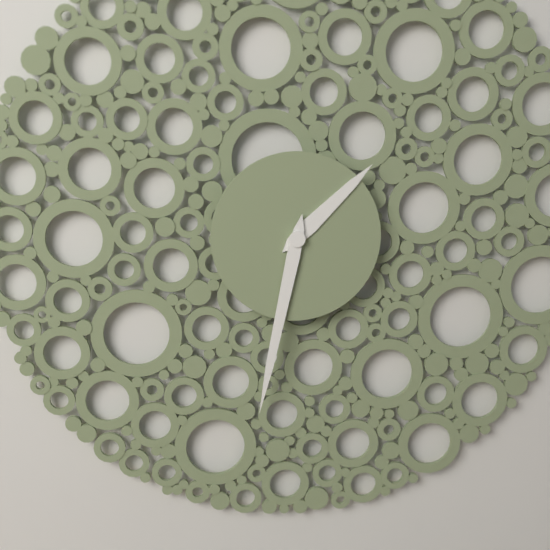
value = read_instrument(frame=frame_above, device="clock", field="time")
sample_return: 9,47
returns 1,32
